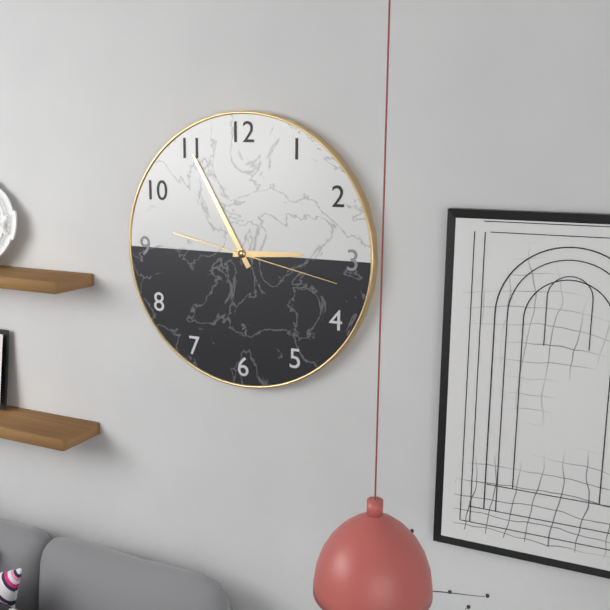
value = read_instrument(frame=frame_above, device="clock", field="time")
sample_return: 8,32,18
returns 2,55,17
